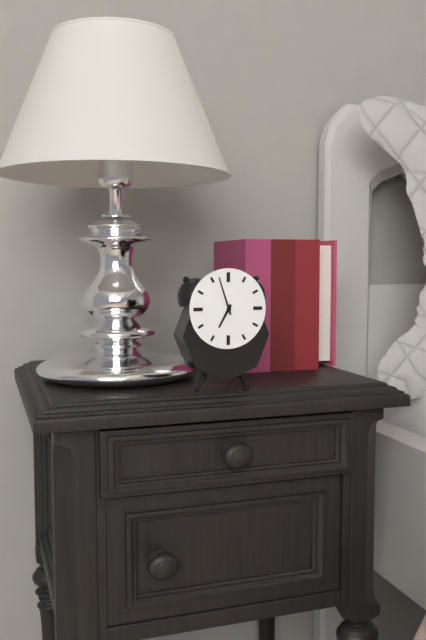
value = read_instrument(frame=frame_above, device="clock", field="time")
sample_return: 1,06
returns 6,57
